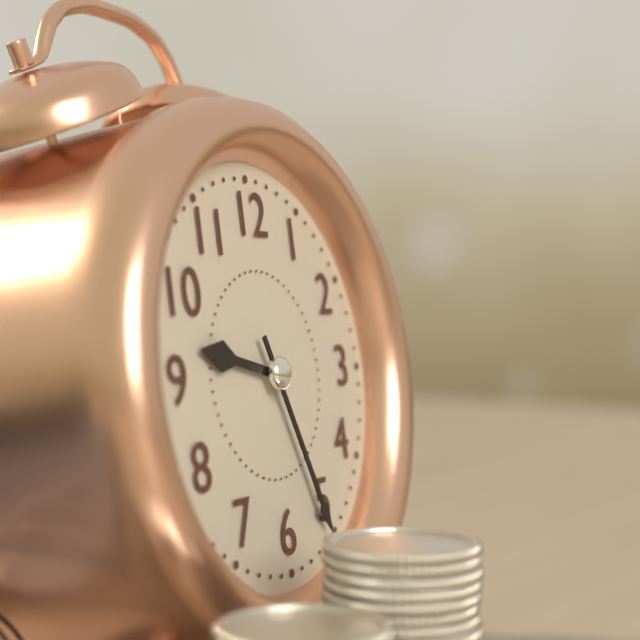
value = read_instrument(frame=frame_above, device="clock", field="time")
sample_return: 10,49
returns 9,26
